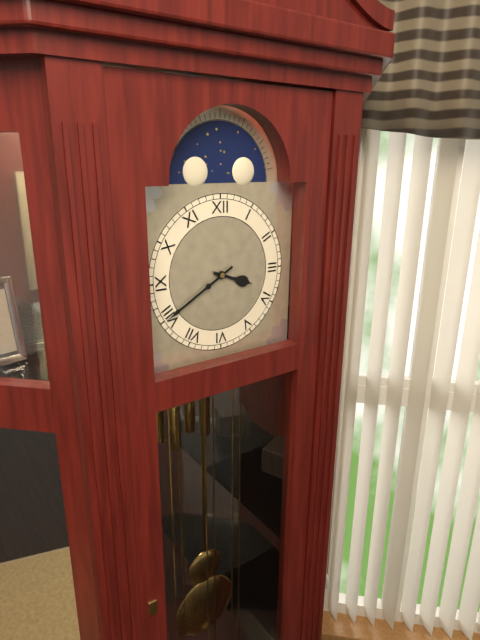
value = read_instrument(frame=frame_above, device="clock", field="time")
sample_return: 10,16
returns 3,40
